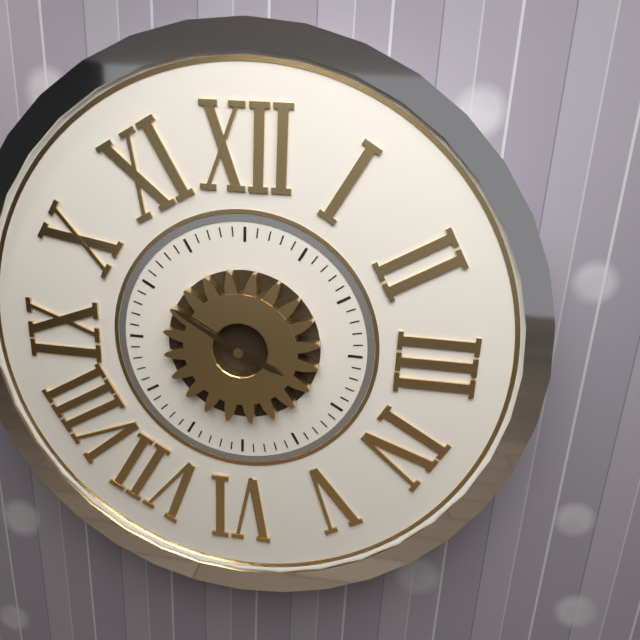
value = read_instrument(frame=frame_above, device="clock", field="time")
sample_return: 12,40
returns 3,50
